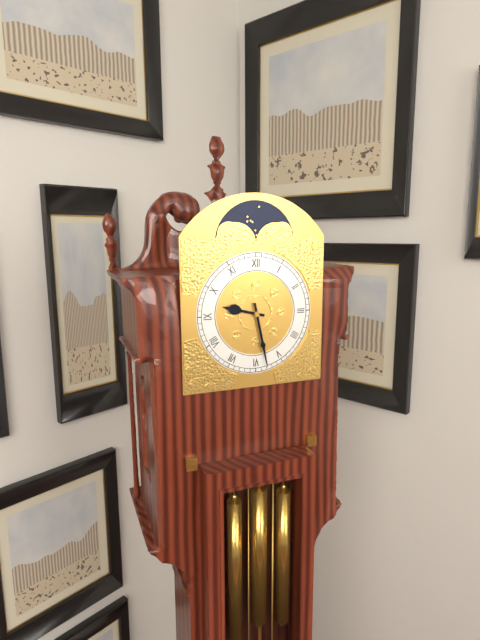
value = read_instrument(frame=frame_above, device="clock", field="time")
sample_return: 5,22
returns 9,28
